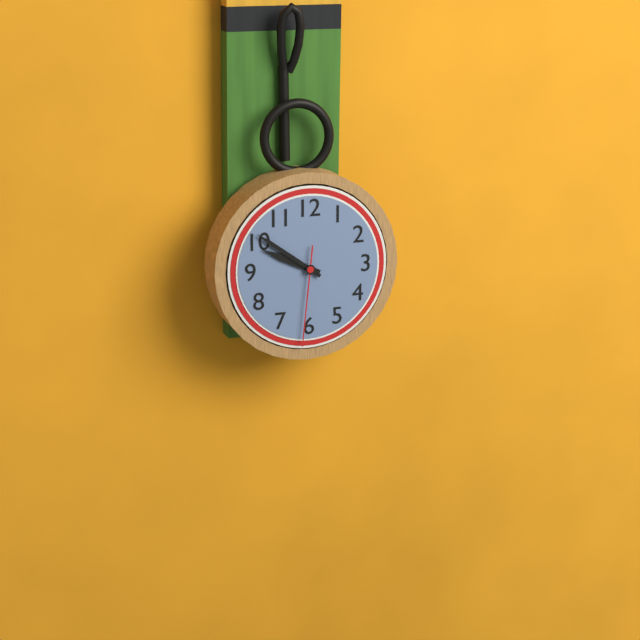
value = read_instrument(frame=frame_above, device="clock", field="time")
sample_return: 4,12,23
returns 9,51,31
